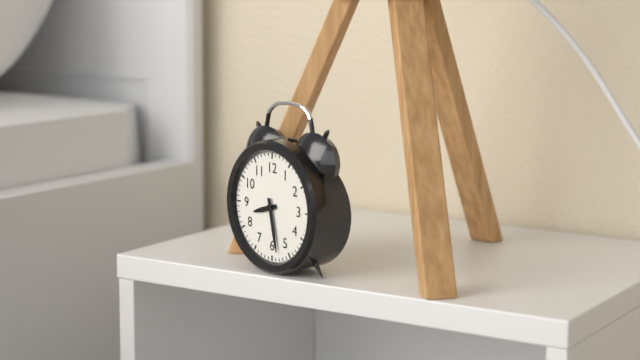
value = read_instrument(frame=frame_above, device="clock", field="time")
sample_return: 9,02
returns 8,28
